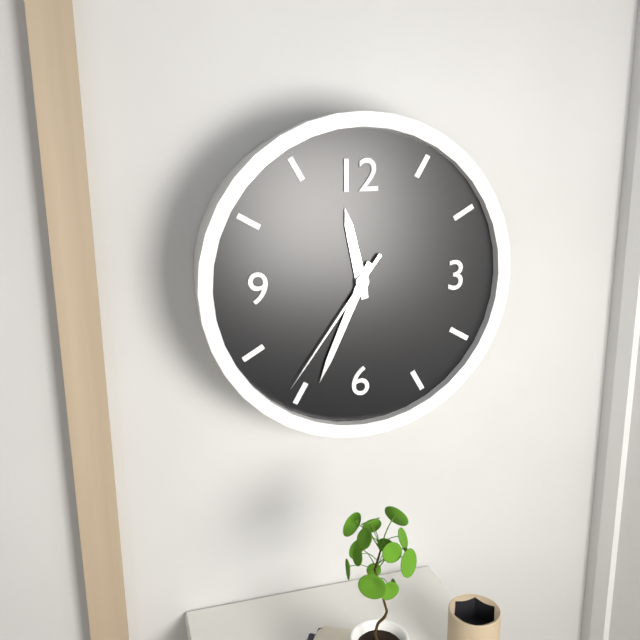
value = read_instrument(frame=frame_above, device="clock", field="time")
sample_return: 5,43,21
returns 11,34,36
